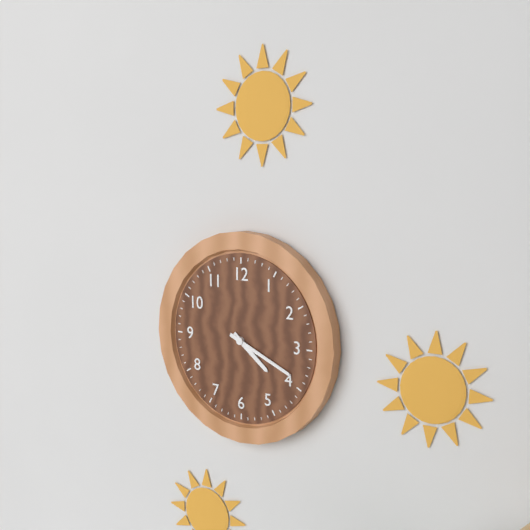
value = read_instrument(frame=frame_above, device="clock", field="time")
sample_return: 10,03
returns 4,19
